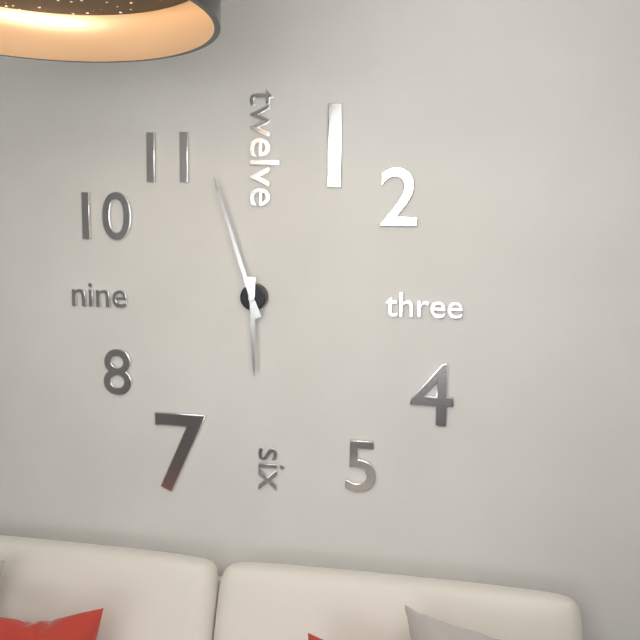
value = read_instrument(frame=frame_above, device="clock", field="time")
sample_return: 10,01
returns 5,57
